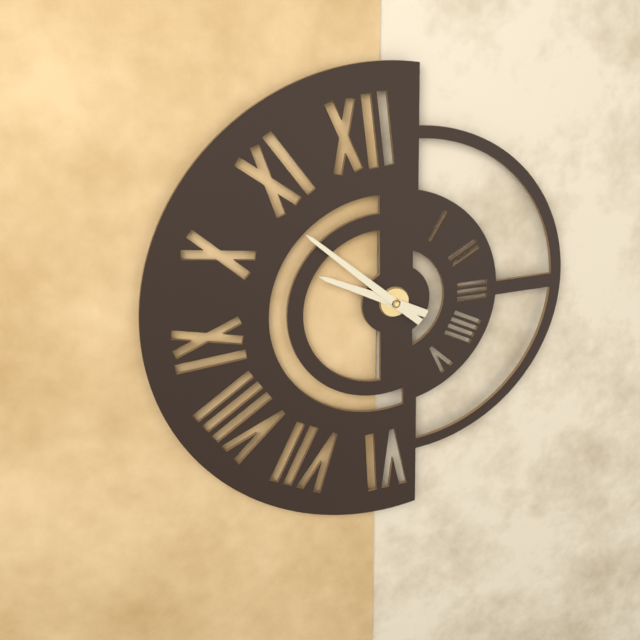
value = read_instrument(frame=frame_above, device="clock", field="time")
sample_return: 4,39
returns 9,52
